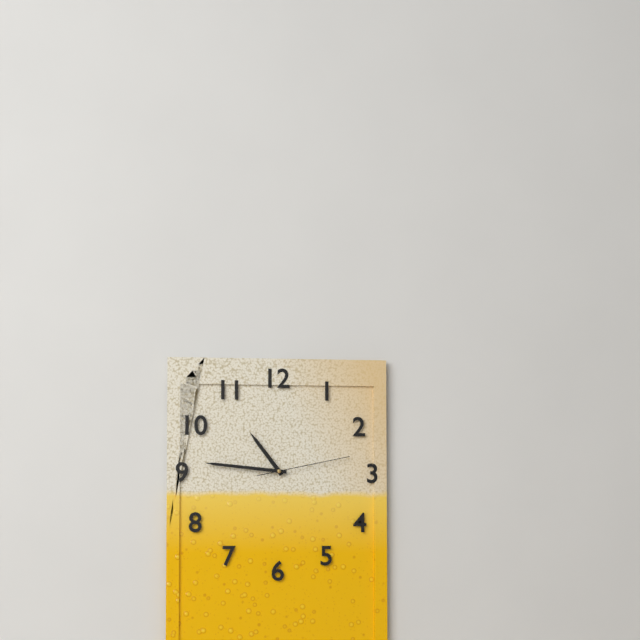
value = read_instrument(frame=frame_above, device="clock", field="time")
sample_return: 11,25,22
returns 10,46,13
